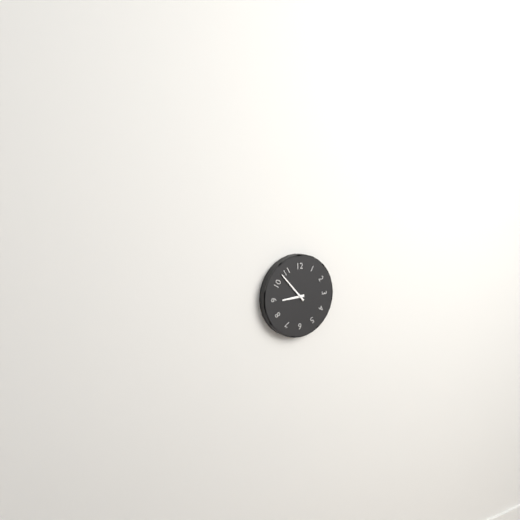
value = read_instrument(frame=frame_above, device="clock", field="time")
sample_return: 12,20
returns 8,53
